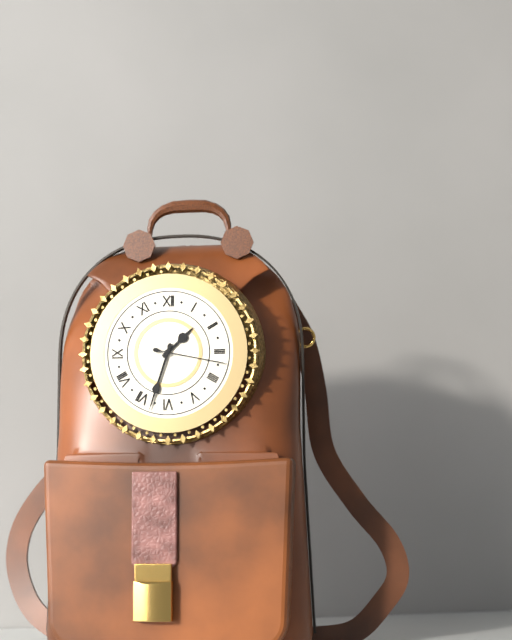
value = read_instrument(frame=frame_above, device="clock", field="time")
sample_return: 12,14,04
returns 1,33,17
